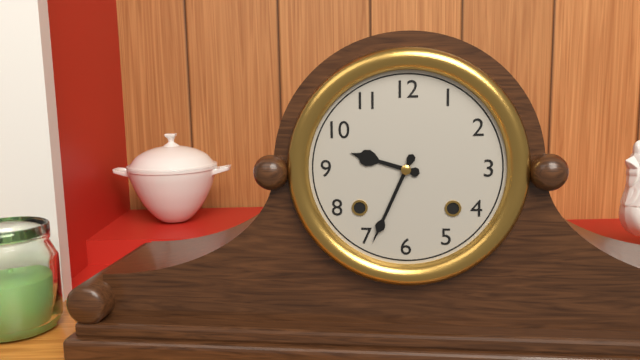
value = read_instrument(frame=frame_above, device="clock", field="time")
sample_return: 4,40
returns 9,34
